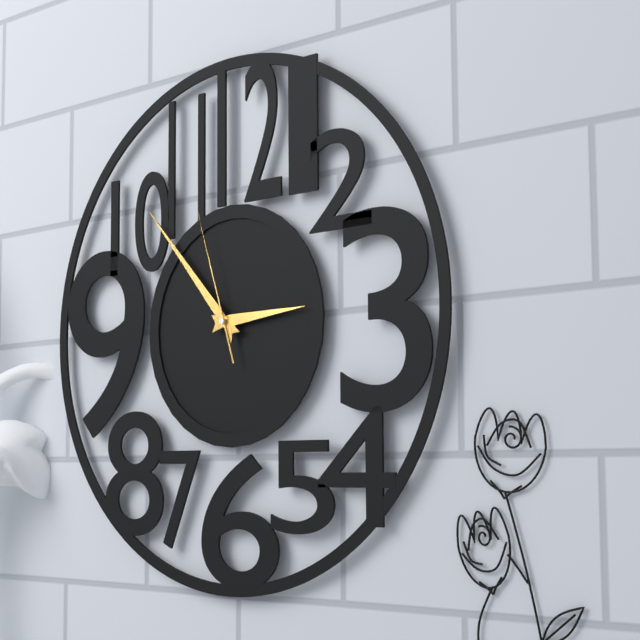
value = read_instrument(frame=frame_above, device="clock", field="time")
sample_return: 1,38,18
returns 2,53,57
